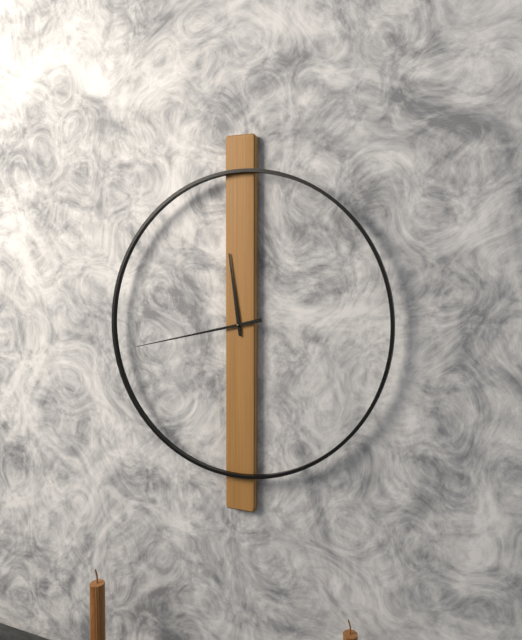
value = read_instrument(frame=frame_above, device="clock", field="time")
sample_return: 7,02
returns 11,43
